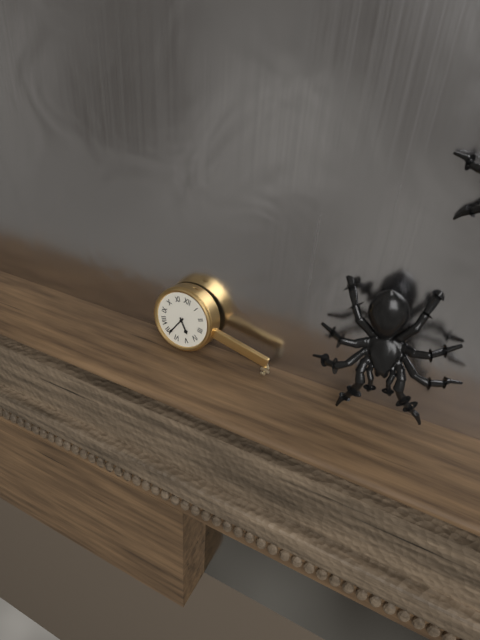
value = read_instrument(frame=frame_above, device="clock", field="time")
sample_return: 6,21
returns 4,34
